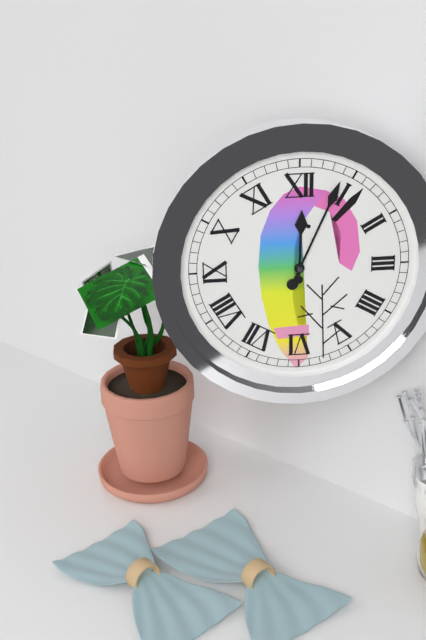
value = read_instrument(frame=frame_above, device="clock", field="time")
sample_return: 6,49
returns 12,04
